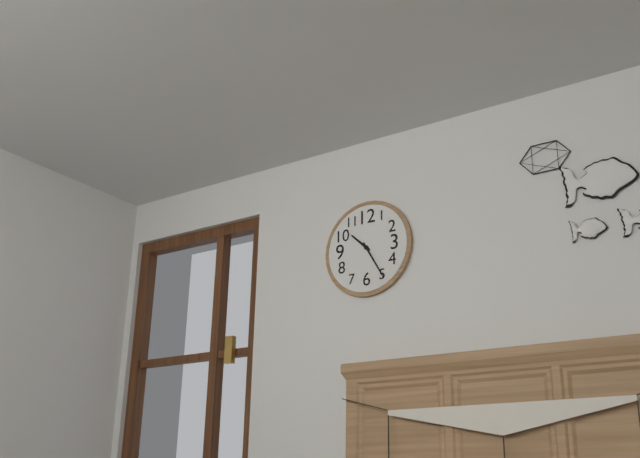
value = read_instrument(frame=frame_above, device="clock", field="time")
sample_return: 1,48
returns 10,25
